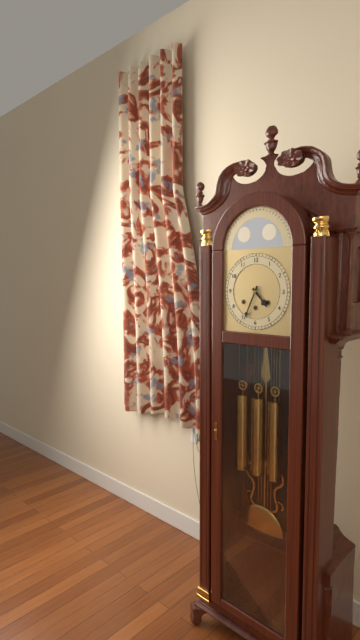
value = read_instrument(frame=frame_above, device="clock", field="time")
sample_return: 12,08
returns 4,34
